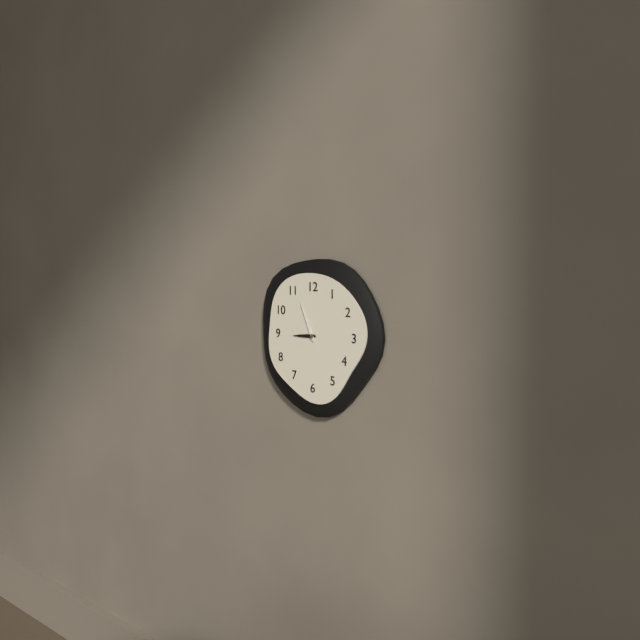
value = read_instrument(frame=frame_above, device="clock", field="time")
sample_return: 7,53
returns 8,56
